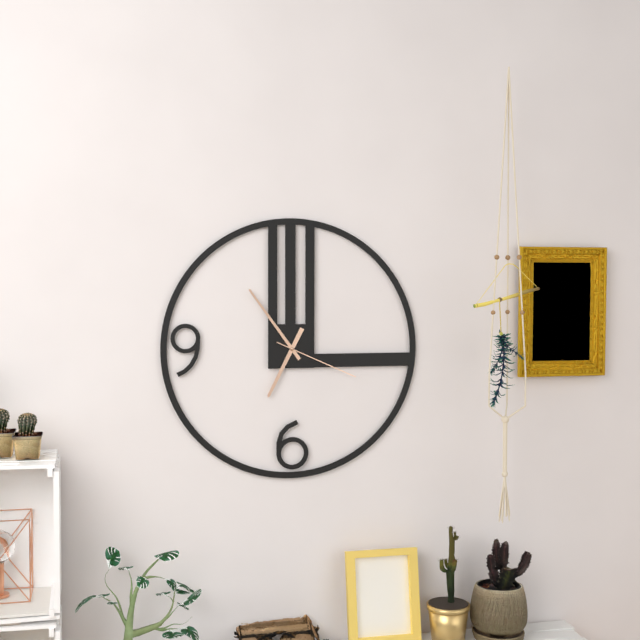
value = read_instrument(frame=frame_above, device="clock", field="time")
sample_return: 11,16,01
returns 6,54,19
